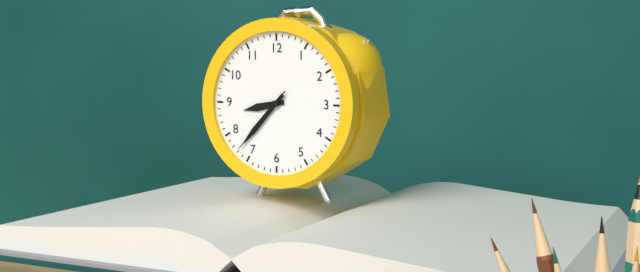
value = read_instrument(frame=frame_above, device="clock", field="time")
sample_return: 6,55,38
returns 8,37,37
